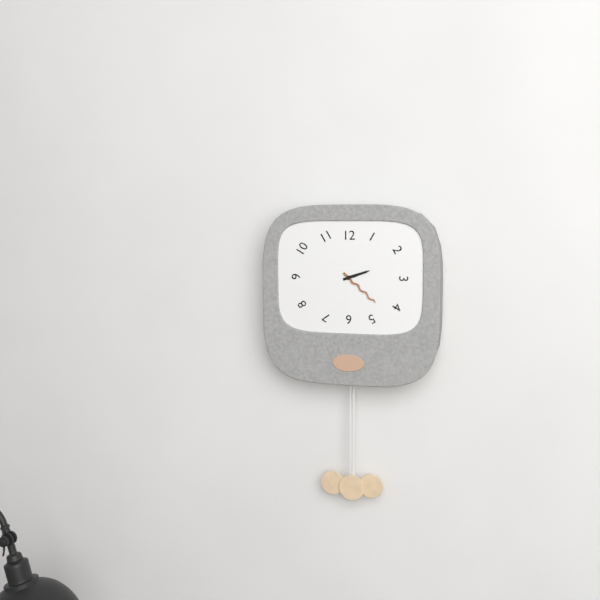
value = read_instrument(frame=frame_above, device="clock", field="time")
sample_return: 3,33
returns 2,22
